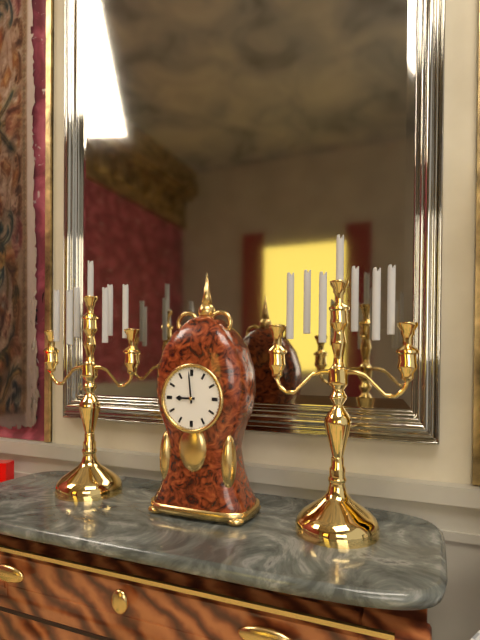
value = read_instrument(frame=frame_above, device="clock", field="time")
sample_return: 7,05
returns 8,59
